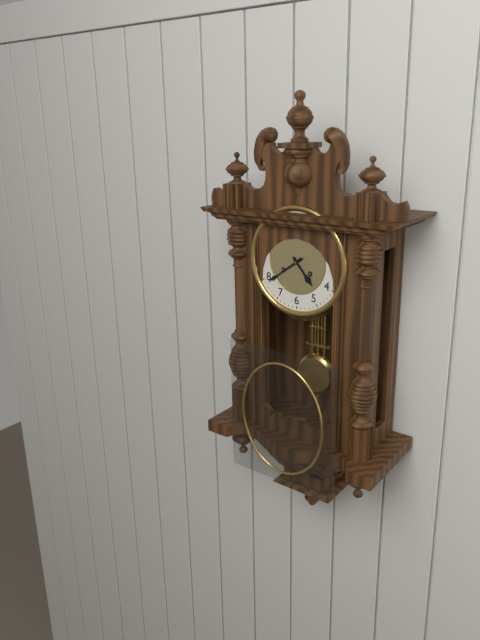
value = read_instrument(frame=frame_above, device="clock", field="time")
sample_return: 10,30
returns 4,39
